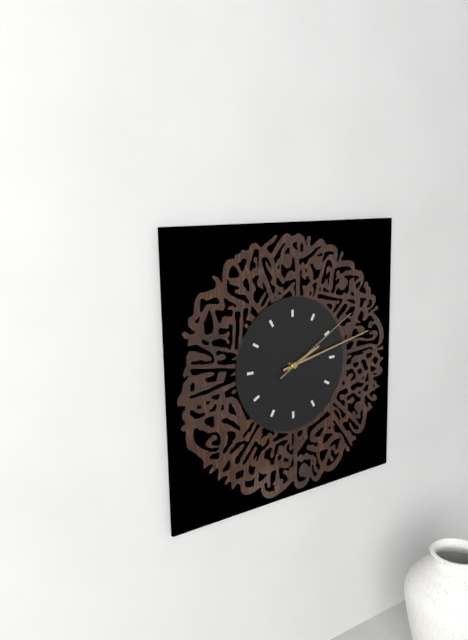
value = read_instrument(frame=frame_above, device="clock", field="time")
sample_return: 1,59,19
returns 2,13,10
